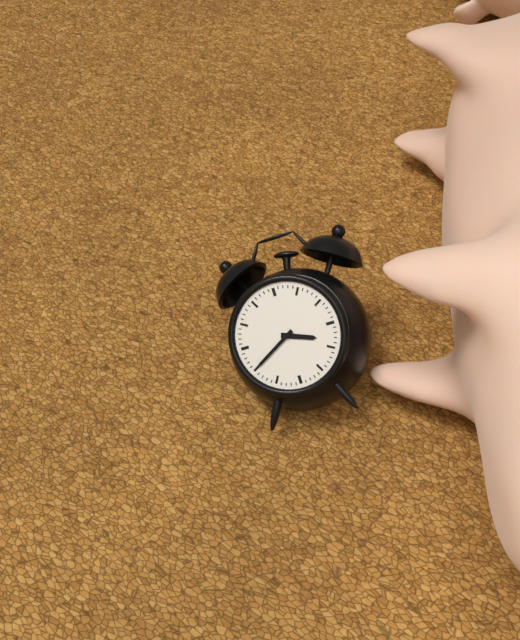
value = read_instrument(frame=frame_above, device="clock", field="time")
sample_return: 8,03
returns 3,40
